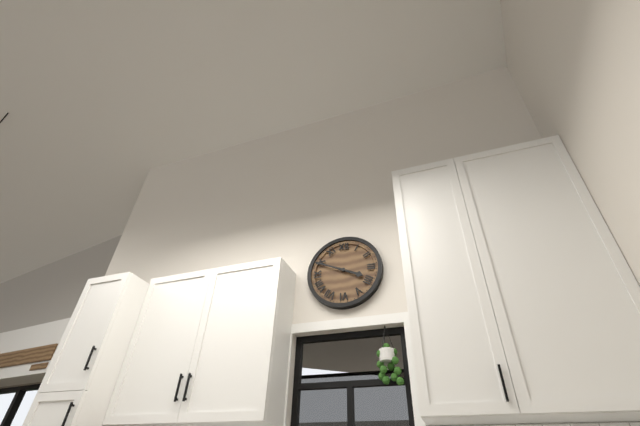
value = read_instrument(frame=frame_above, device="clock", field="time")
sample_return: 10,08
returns 3,49
